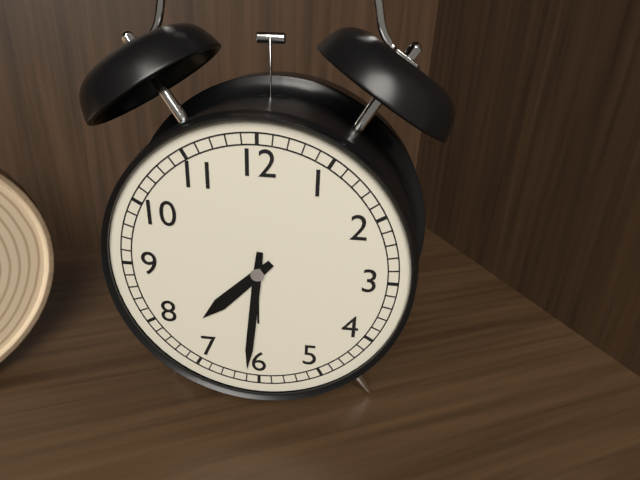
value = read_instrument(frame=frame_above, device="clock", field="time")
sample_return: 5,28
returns 7,31
